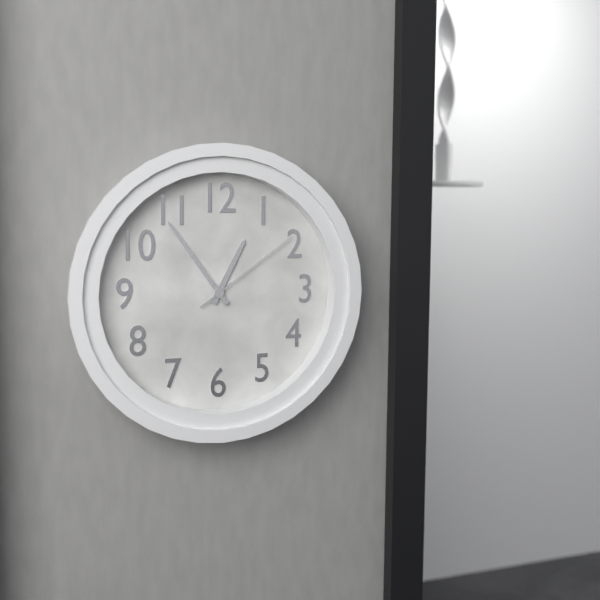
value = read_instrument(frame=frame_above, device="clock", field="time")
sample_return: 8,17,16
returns 12,54,09
